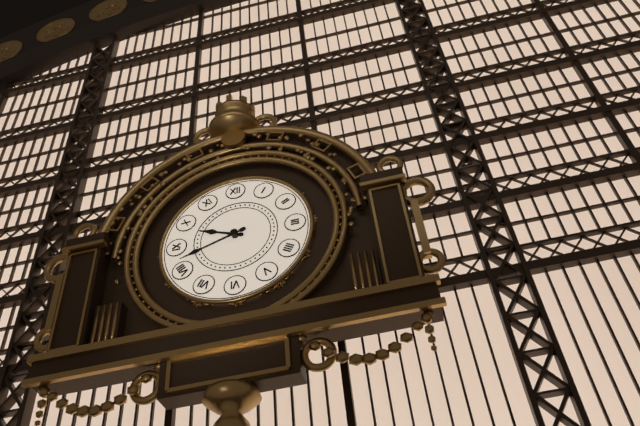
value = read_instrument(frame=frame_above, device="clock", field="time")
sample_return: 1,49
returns 9,42
